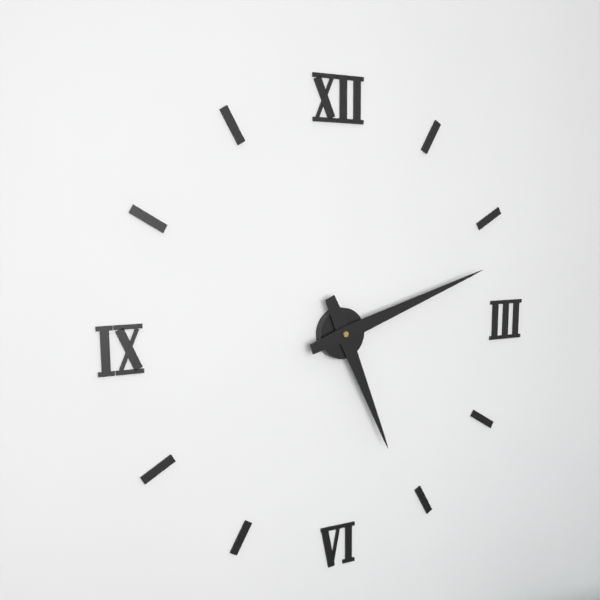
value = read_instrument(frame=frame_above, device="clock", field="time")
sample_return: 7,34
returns 5,12
